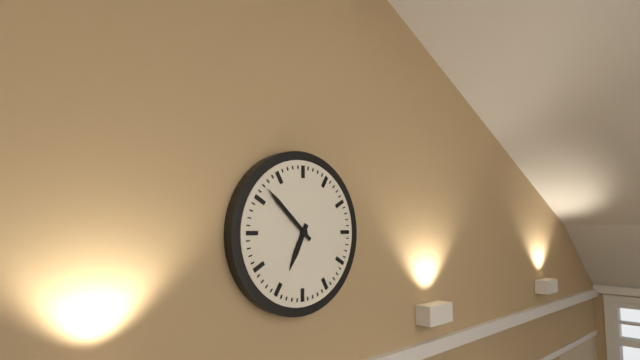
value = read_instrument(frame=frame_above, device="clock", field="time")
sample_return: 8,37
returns 6,52
